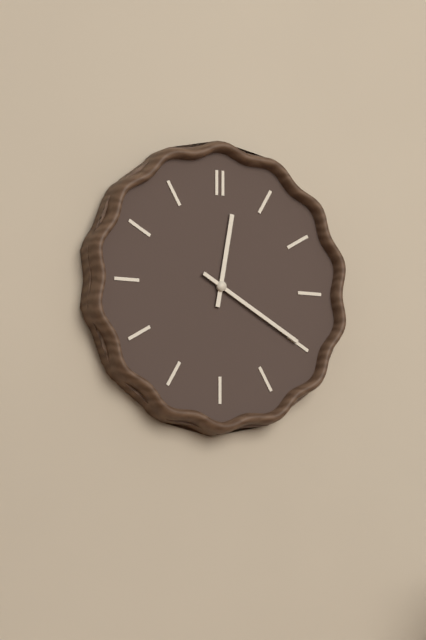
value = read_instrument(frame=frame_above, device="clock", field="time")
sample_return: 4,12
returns 12,20
